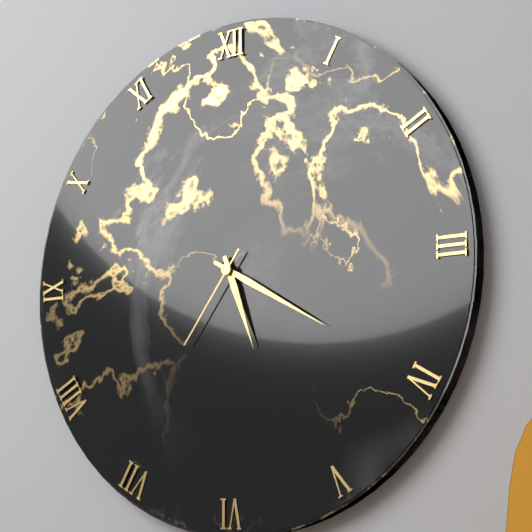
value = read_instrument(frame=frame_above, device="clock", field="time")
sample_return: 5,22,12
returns 5,20,36
